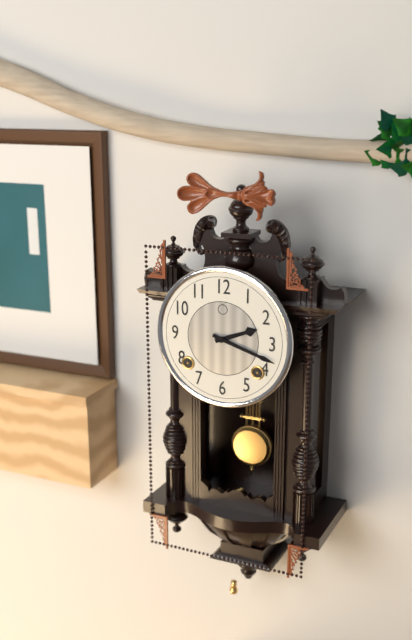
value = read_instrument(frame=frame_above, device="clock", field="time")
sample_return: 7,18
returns 2,18
